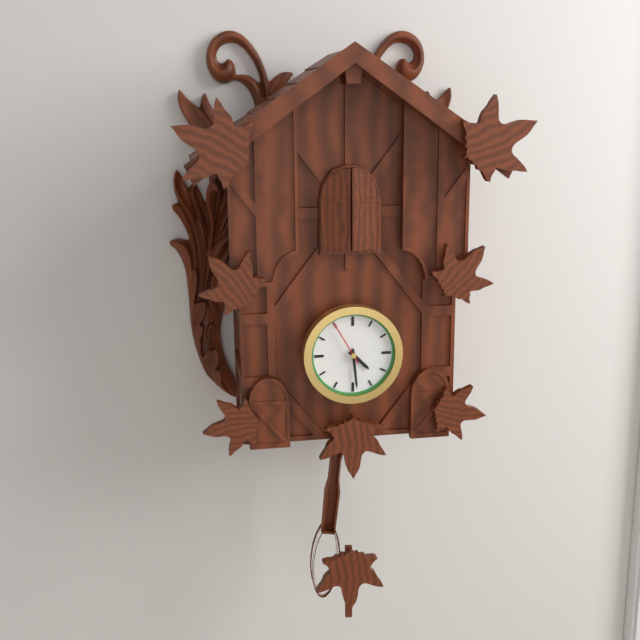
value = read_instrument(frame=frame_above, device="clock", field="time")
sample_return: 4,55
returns 4,29
